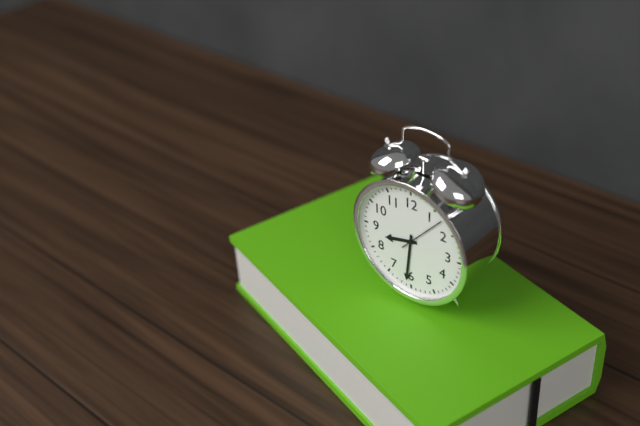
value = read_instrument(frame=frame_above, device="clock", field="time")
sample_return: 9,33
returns 8,31
